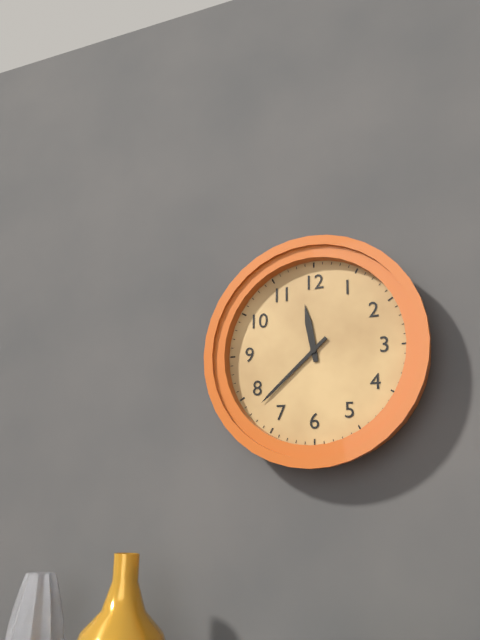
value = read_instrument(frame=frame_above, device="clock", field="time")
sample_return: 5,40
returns 11,38
